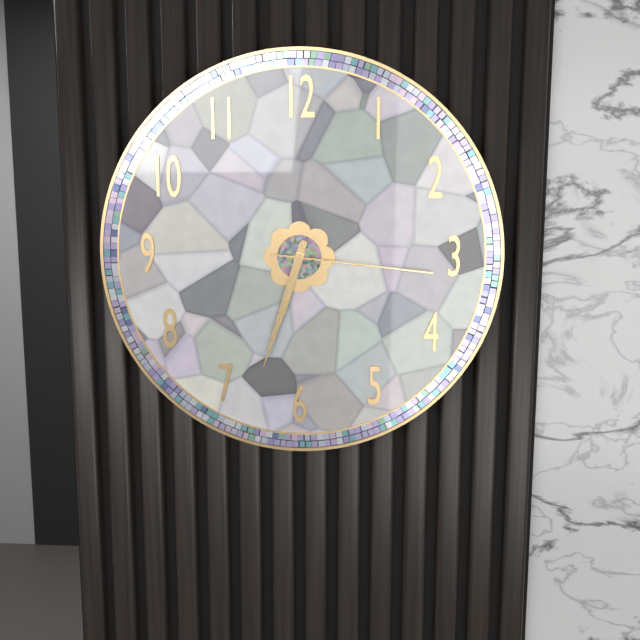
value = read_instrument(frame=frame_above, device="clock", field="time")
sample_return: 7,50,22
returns 6,33,16
